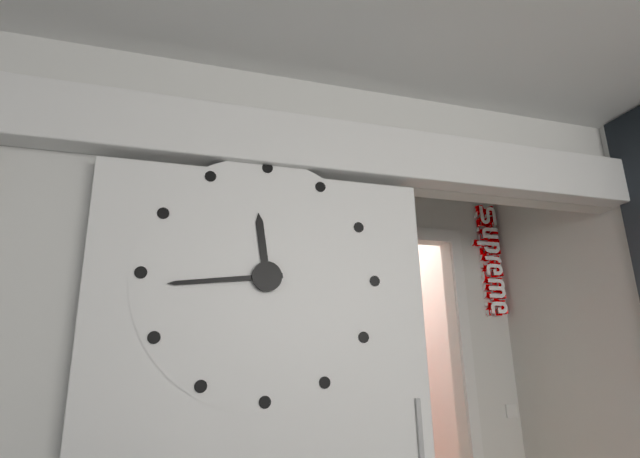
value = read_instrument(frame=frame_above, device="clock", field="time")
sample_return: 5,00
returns 11,44
